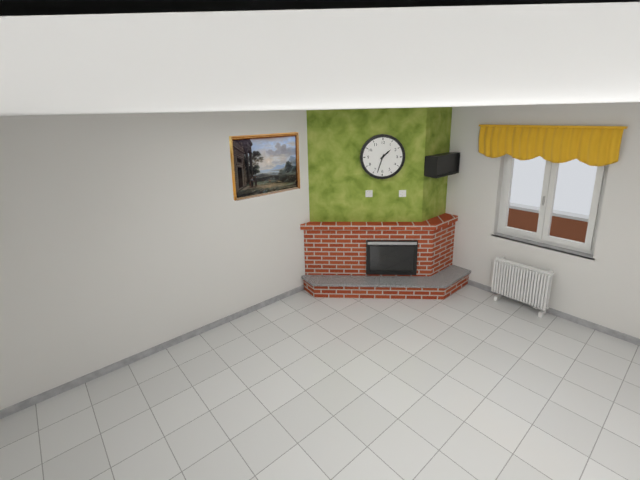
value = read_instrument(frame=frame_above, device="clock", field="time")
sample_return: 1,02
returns 1,33
